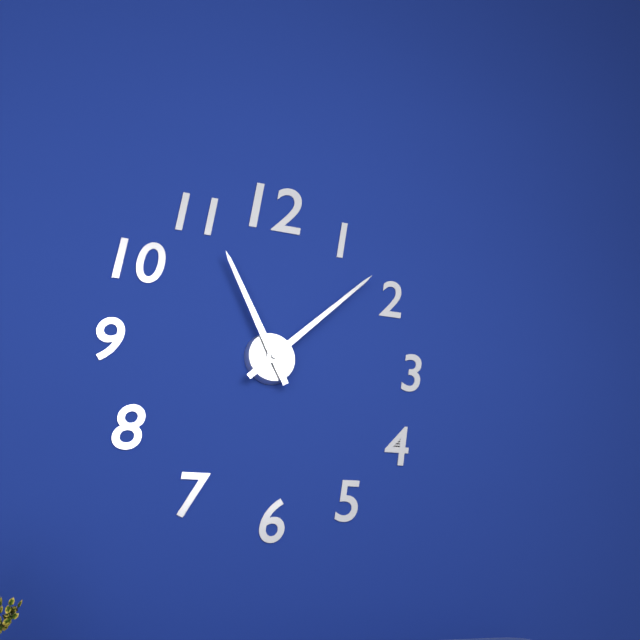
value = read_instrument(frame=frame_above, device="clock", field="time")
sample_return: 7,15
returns 11,08
